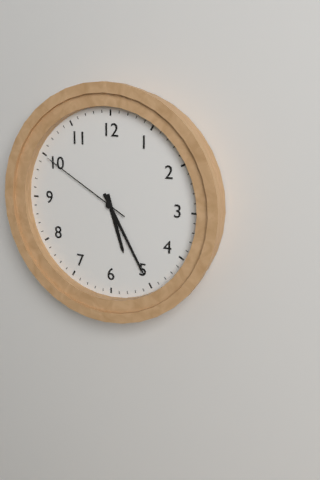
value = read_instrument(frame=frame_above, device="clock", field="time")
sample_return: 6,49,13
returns 5,25,50
